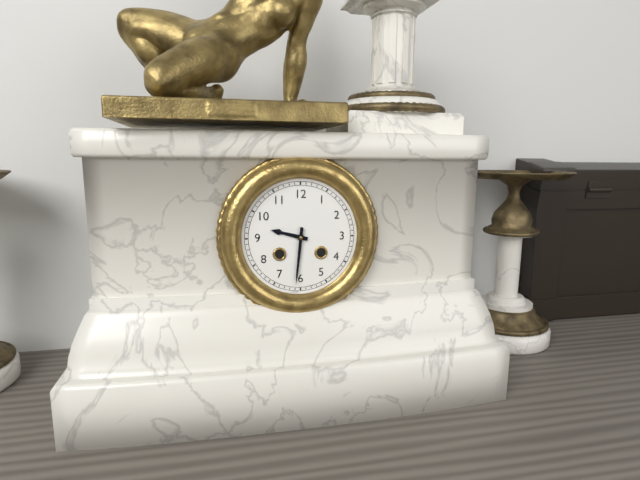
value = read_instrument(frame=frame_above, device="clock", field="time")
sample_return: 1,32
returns 9,31
